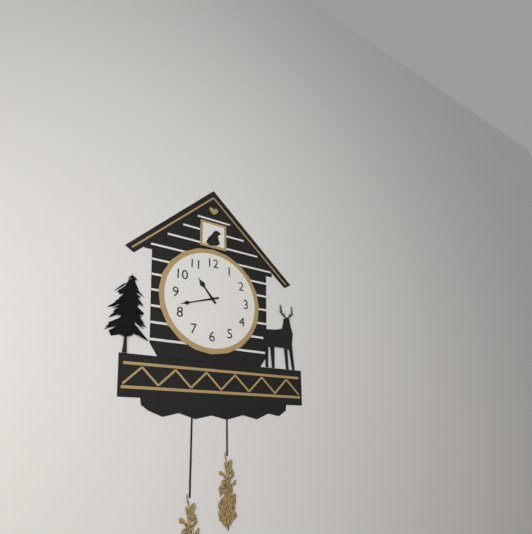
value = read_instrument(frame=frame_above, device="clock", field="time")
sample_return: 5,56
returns 10,42
